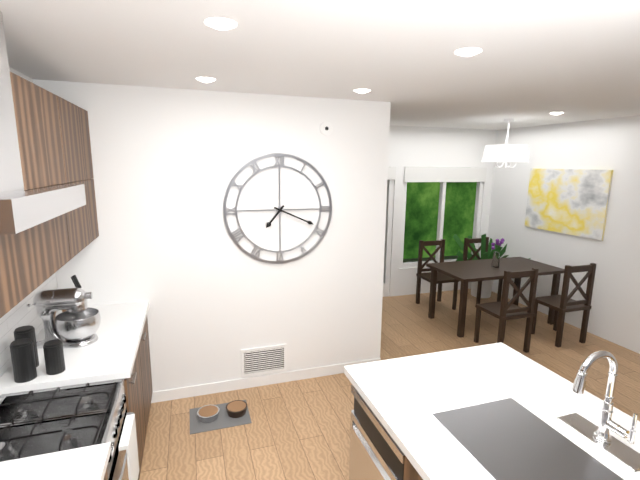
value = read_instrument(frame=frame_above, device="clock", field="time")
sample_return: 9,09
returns 7,19
